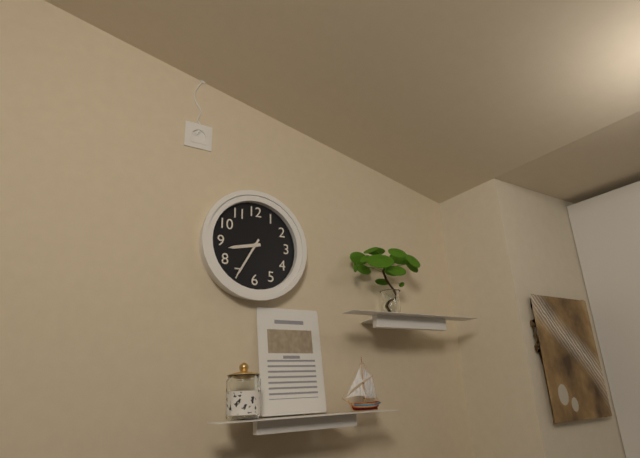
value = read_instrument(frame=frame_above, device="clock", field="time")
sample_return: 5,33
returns 8,35
